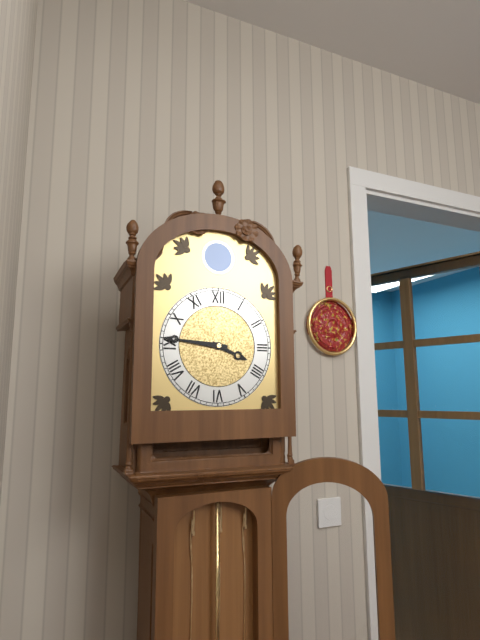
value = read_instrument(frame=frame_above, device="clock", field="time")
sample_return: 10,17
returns 3,46
